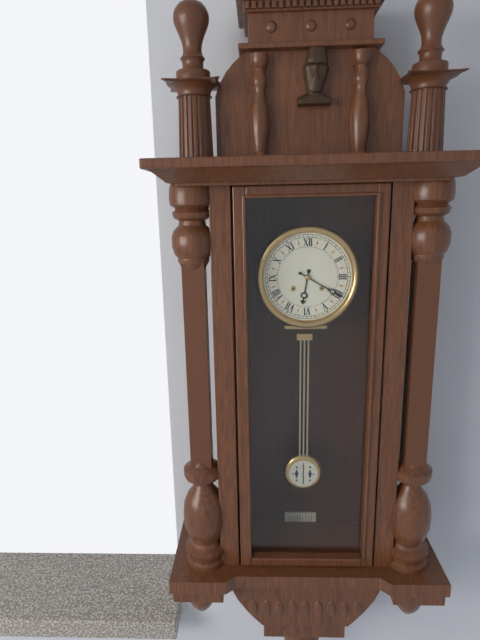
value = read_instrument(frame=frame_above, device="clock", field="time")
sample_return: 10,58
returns 6,20
